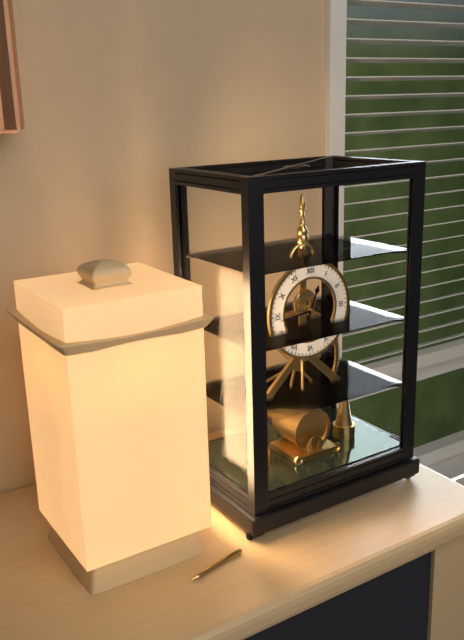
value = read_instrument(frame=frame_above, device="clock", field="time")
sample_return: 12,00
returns 12,44
